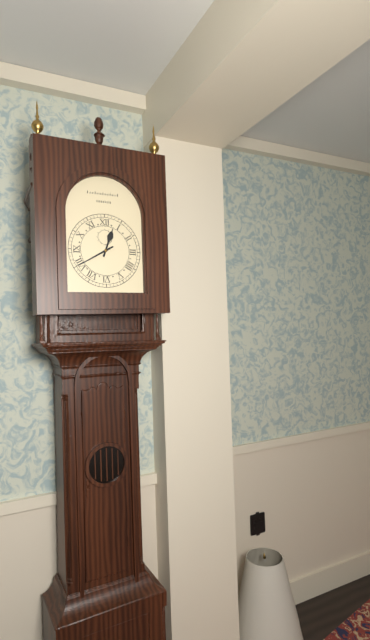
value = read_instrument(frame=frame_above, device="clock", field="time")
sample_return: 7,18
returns 12,40
